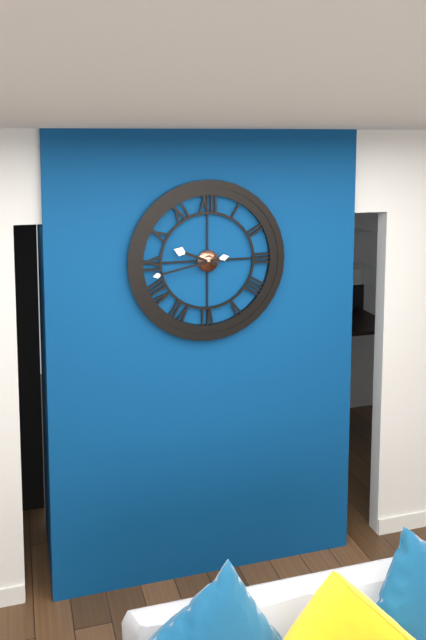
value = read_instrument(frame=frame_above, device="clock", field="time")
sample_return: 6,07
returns 9,43
